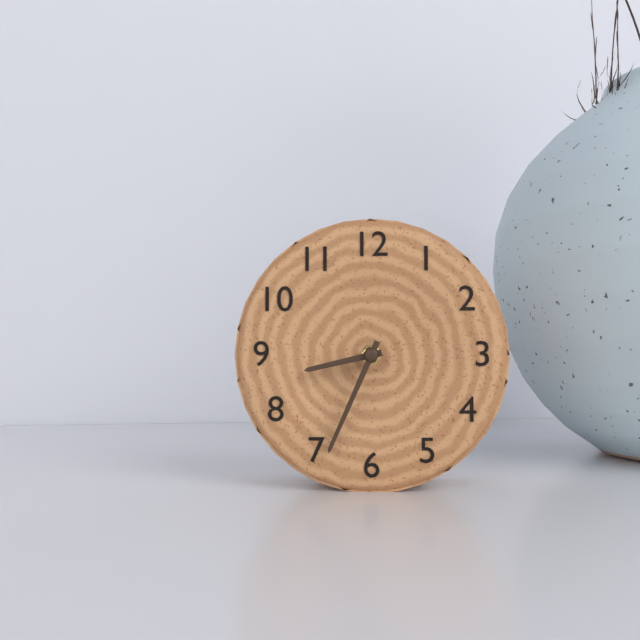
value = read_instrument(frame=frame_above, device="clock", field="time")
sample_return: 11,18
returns 8,34
